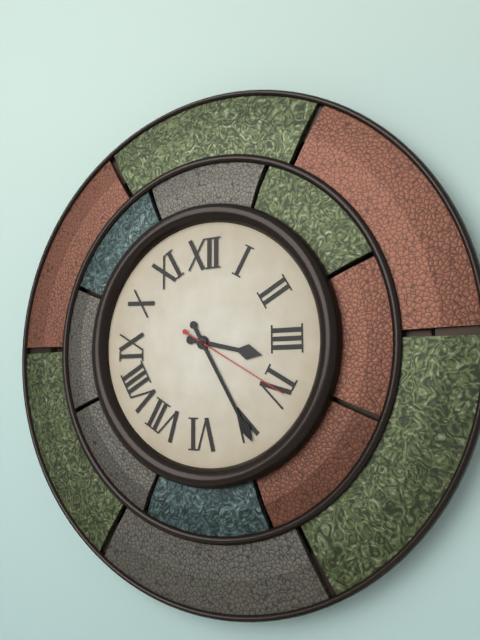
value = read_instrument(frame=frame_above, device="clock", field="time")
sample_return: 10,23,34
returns 3,25,20
